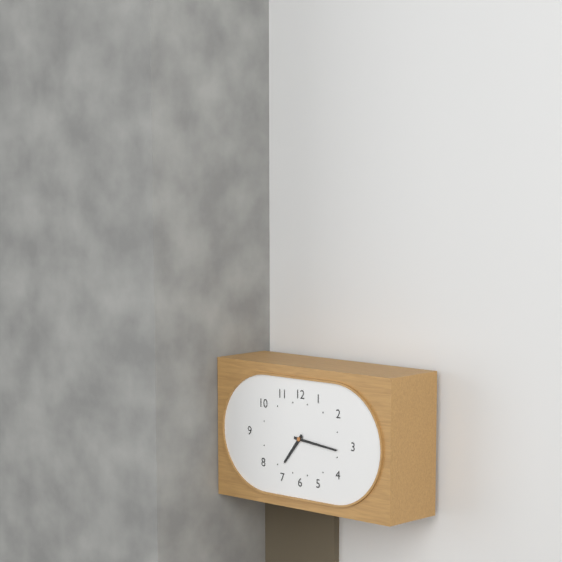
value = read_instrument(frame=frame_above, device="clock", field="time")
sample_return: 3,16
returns 7,16
